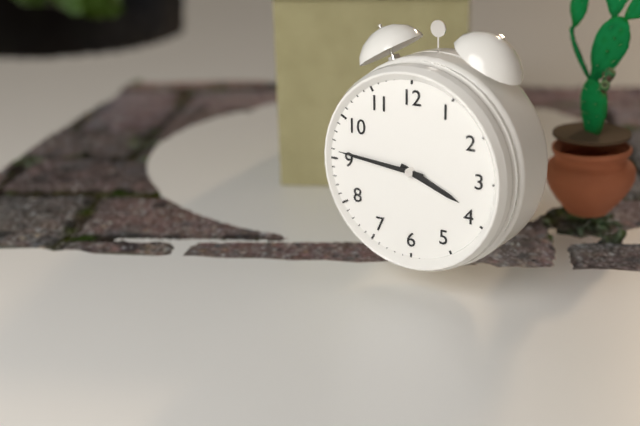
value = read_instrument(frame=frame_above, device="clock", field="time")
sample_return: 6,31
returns 3,46
